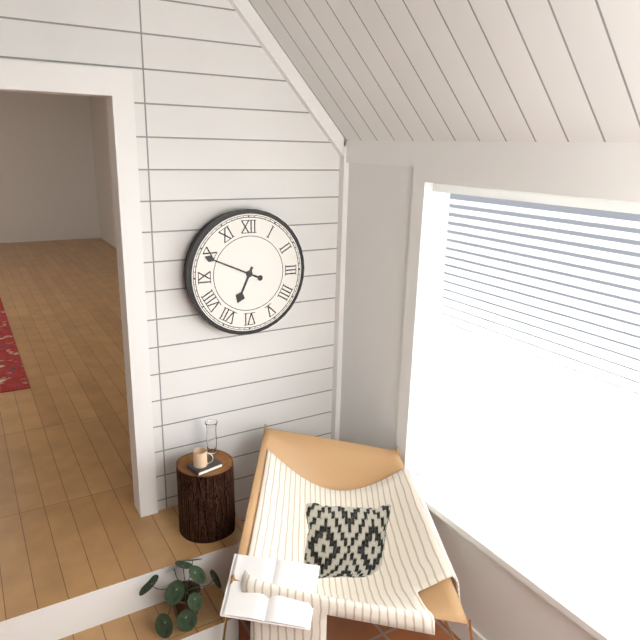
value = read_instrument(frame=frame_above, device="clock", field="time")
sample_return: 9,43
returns 6,49
